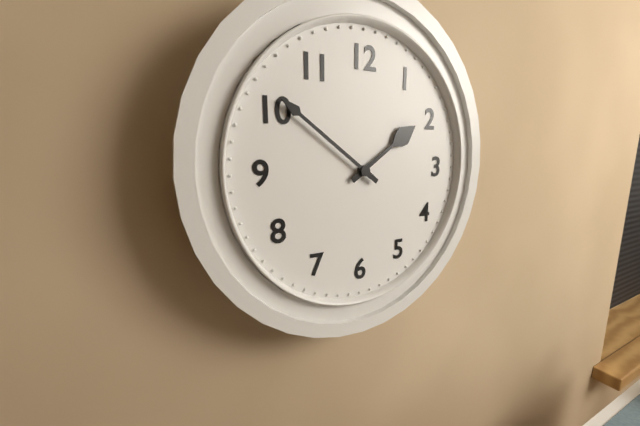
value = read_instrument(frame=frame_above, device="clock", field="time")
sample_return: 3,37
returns 1,51
